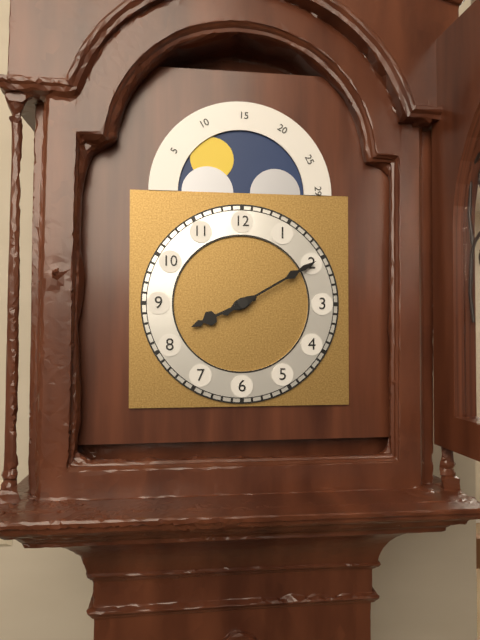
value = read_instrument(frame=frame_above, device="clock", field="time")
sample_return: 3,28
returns 8,10
